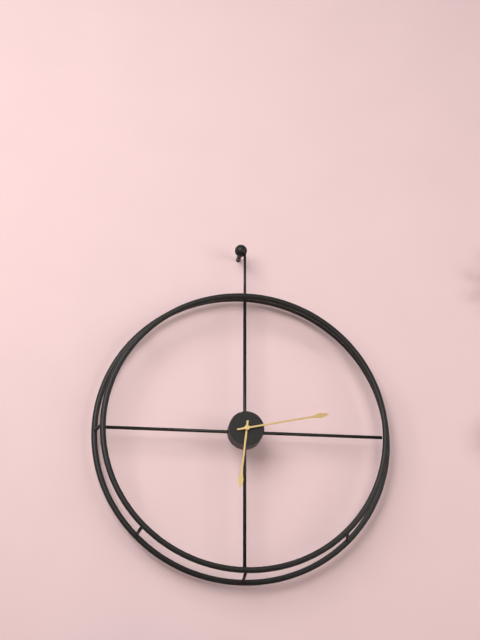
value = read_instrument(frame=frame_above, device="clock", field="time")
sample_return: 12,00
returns 6,13
